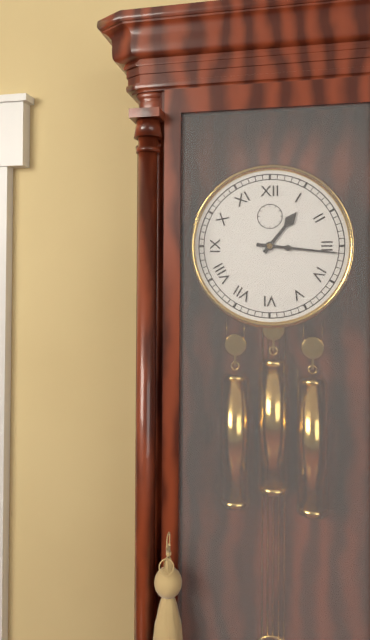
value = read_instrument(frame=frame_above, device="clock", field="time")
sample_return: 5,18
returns 1,16
